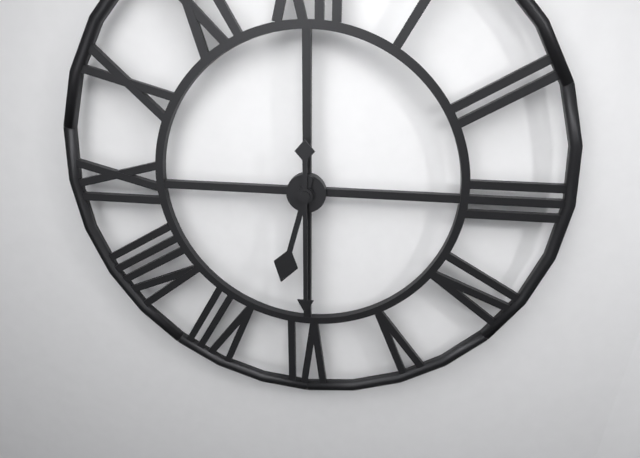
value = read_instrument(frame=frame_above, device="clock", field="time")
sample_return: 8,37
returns 6,30
